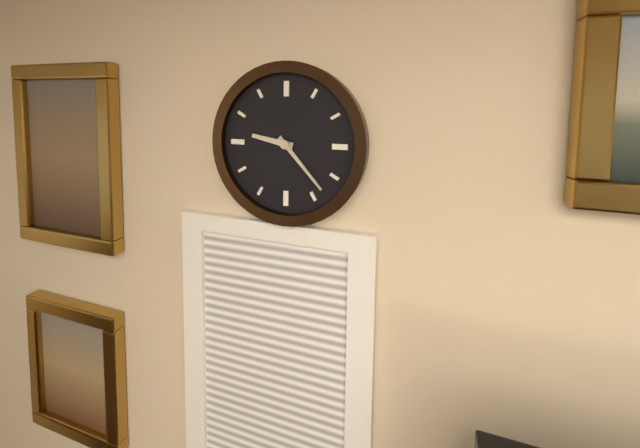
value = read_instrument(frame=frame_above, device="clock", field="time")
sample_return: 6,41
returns 9,23
